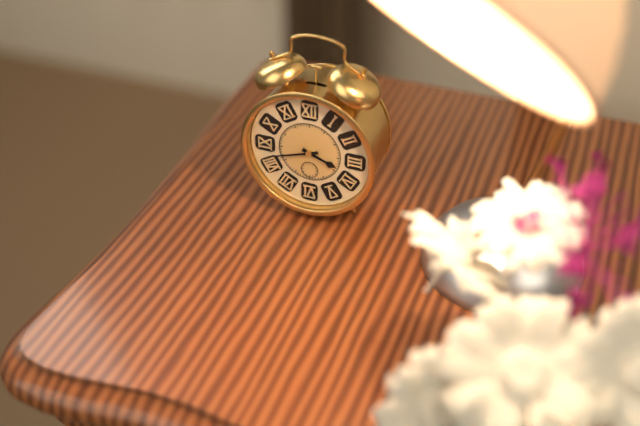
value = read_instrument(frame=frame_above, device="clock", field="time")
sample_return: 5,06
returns 3,42
